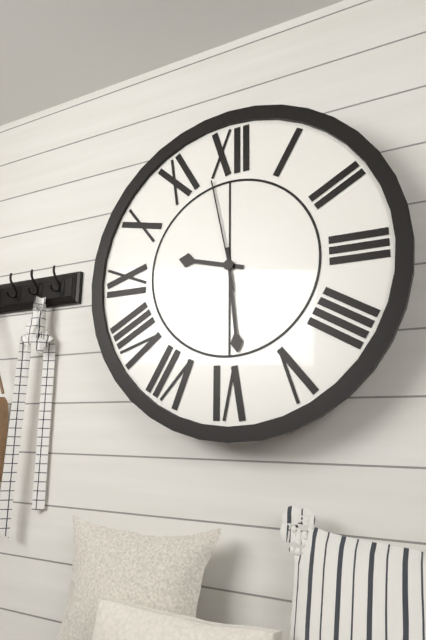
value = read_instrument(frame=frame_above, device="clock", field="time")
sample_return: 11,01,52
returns 9,29,58
